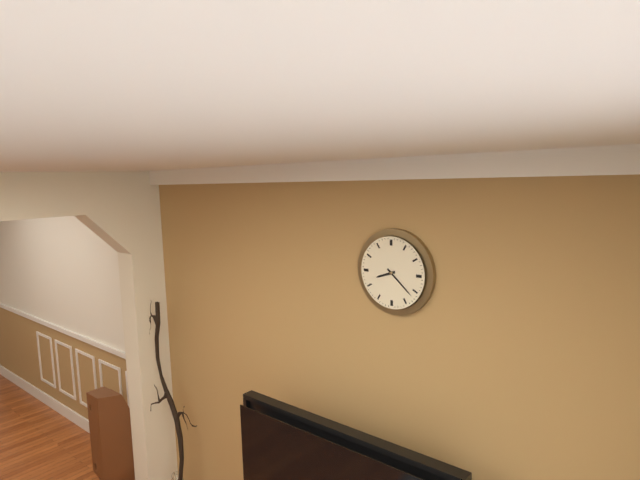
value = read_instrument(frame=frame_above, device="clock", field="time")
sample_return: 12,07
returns 8,22
